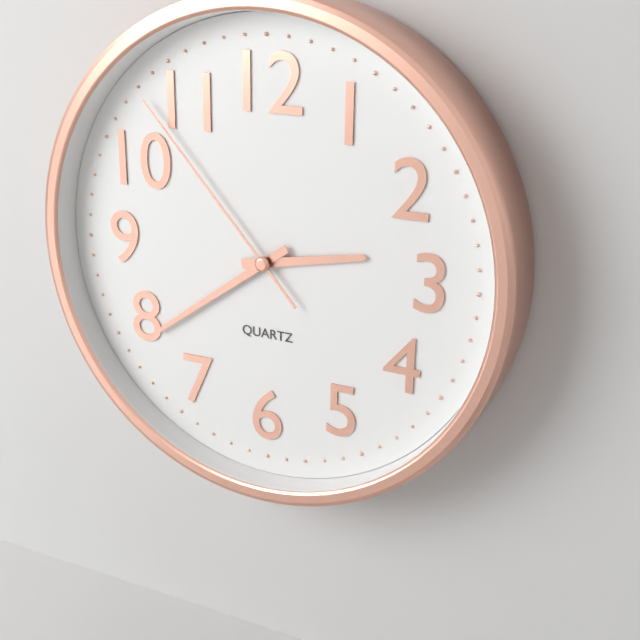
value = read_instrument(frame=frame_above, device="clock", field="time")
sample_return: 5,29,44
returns 2,39,53
